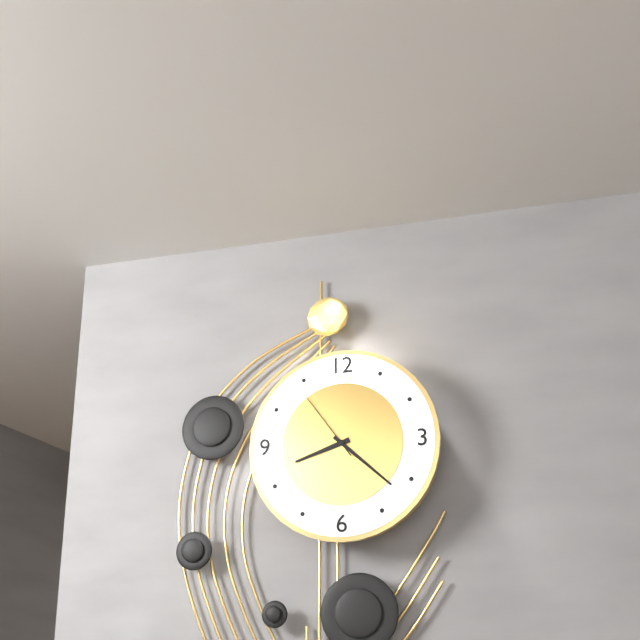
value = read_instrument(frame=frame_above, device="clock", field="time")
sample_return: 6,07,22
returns 8,22,54
